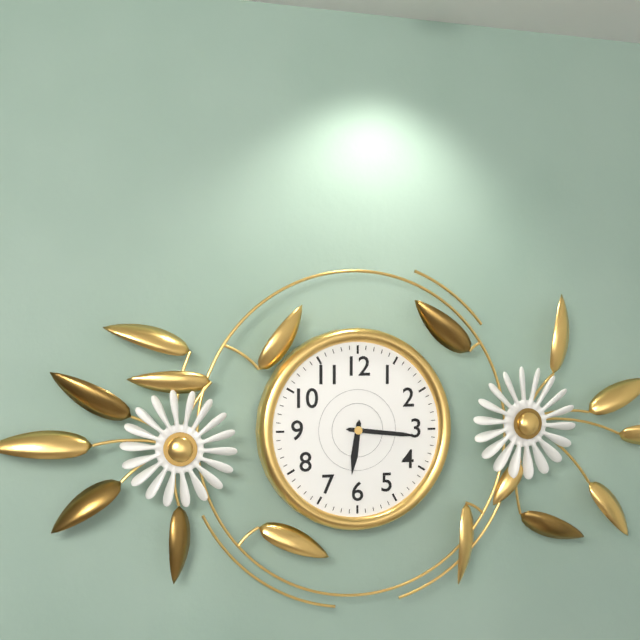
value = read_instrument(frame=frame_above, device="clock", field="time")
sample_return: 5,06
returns 6,16
